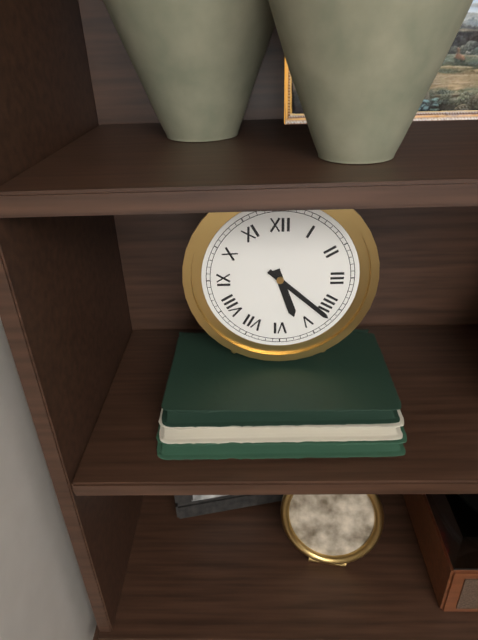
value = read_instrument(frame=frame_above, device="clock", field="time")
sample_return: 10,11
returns 5,22
